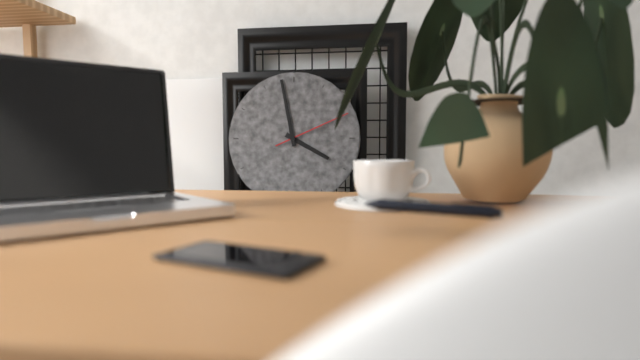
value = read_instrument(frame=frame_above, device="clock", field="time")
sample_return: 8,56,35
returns 3,58,11
